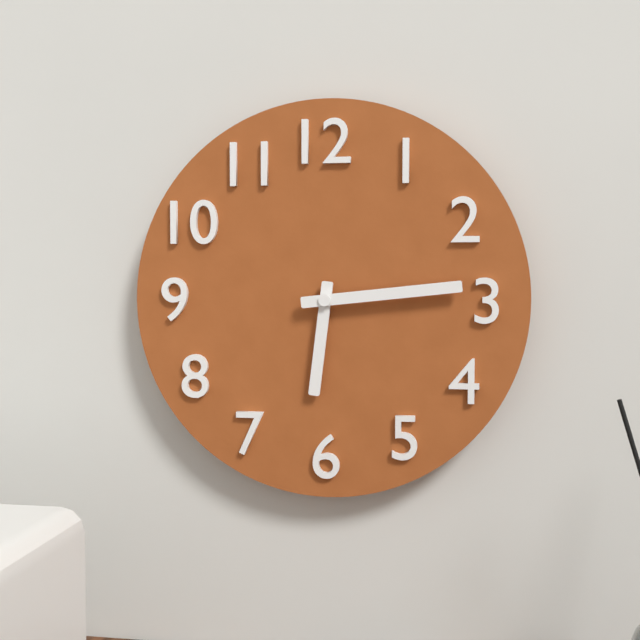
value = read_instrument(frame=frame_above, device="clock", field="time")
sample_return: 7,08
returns 6,14
